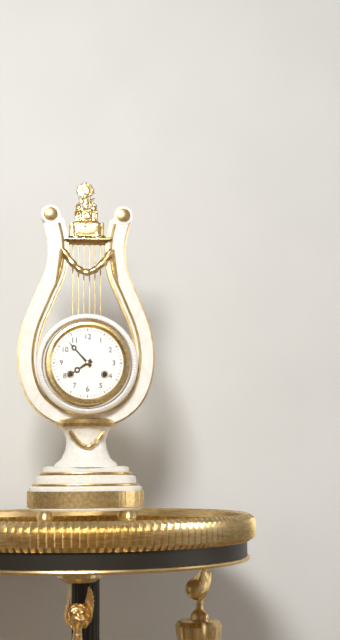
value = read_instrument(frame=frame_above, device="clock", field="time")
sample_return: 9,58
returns 7,53
